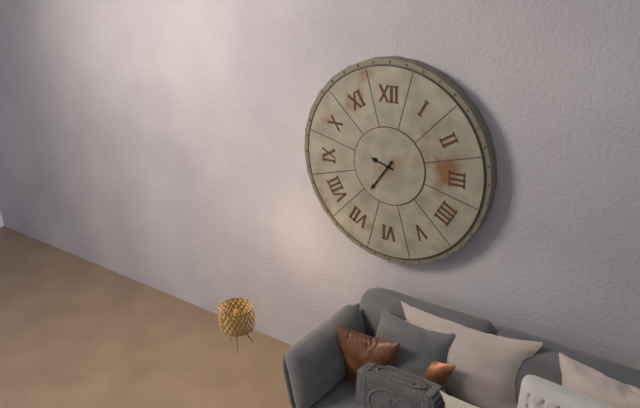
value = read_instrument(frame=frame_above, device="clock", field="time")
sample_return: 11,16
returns 9,36
